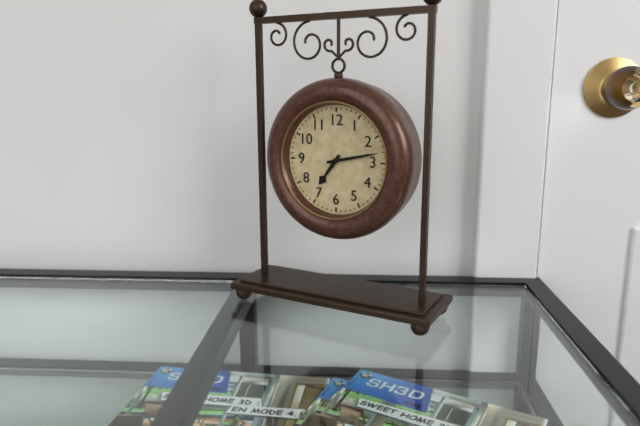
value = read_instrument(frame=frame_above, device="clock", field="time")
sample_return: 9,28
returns 7,13
